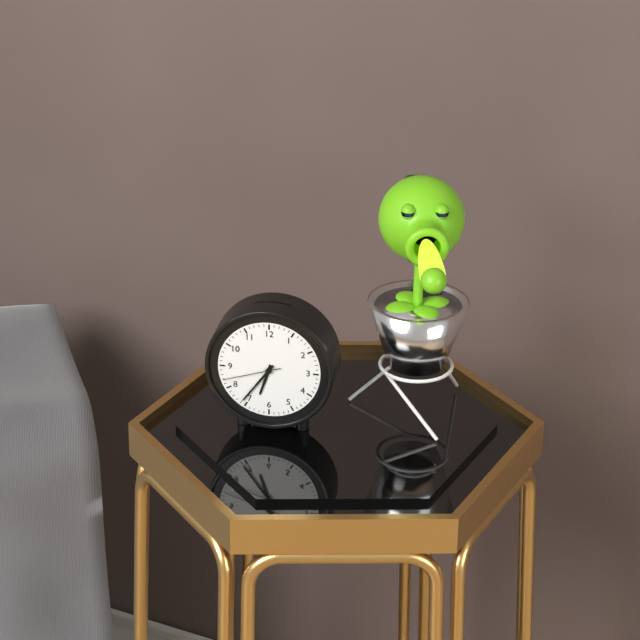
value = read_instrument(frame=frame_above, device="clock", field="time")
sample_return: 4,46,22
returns 6,36,42
